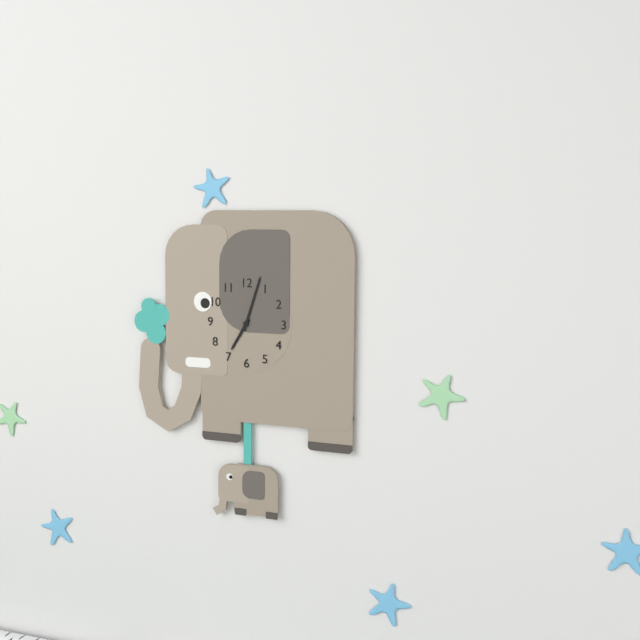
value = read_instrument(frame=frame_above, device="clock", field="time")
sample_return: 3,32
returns 7,03
